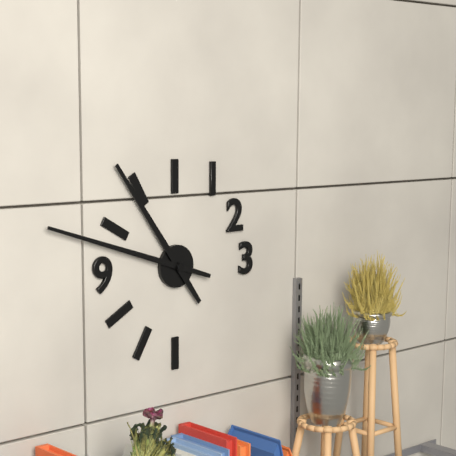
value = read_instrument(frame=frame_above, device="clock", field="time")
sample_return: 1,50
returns 10,48
